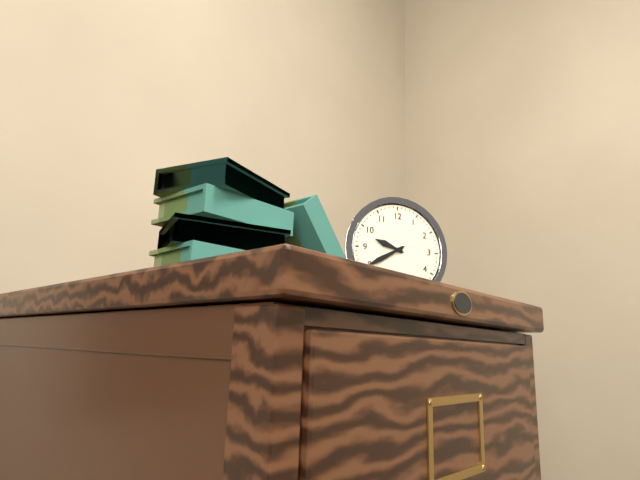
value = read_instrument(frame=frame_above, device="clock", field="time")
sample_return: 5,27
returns 9,40
